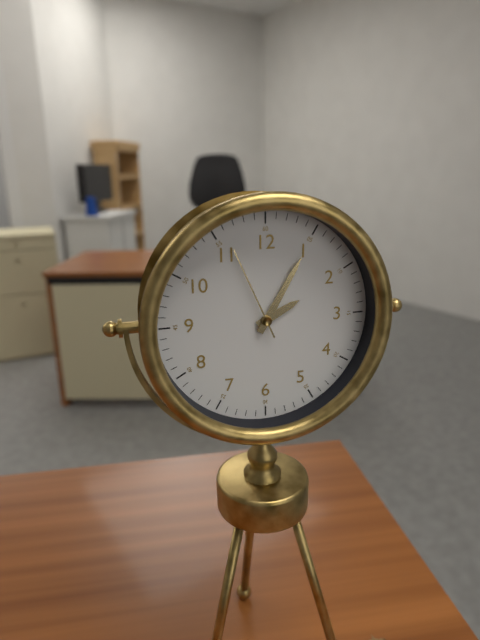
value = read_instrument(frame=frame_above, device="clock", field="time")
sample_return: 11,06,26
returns 2,05,56
